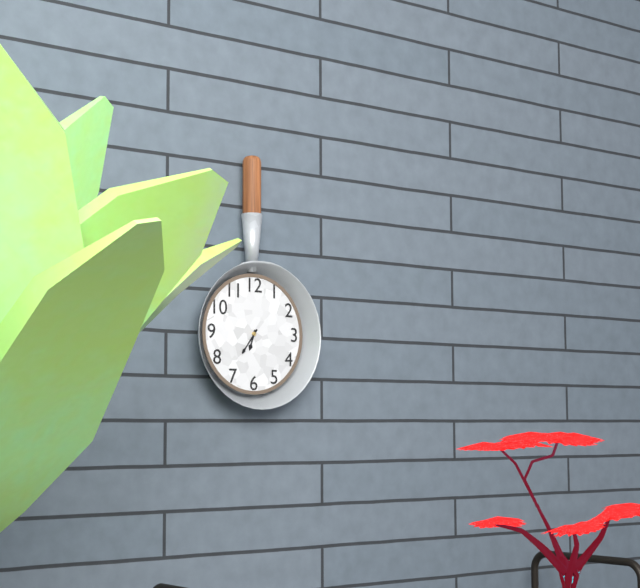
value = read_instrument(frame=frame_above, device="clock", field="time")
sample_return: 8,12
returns 6,36
